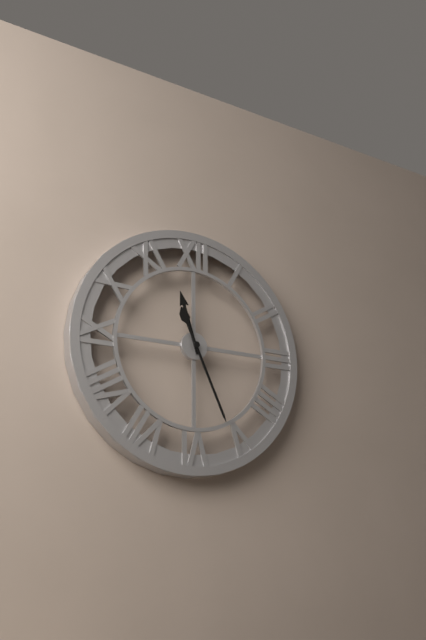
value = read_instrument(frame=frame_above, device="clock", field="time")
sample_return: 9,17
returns 11,26
